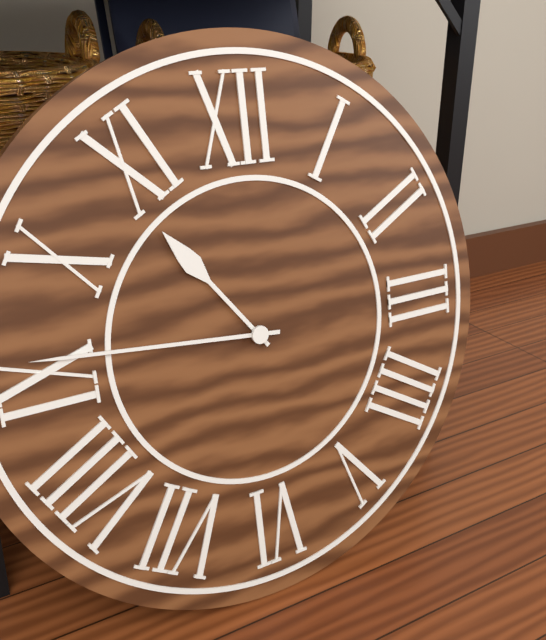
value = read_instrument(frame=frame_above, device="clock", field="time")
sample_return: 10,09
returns 10,46
